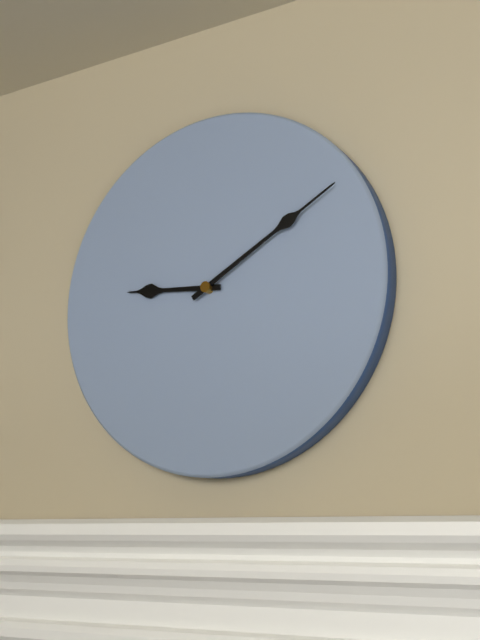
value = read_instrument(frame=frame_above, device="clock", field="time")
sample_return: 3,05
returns 9,10
